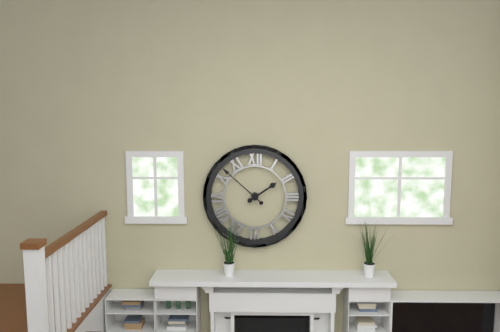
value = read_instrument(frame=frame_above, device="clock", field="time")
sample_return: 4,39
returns 1,52
